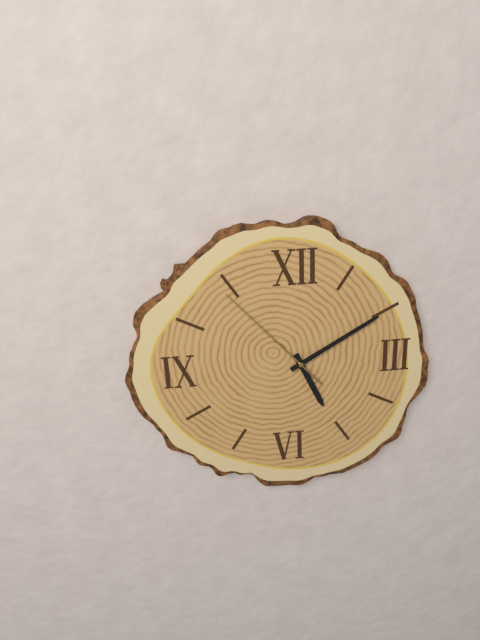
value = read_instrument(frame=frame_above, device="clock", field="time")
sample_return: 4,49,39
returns 5,10,53
